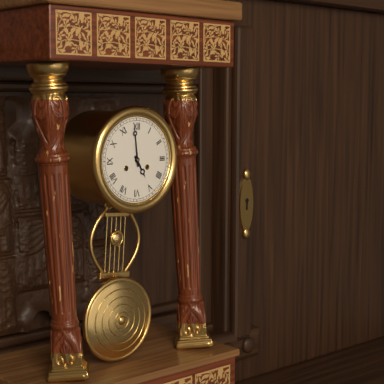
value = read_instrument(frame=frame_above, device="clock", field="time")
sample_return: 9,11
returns 4,59
